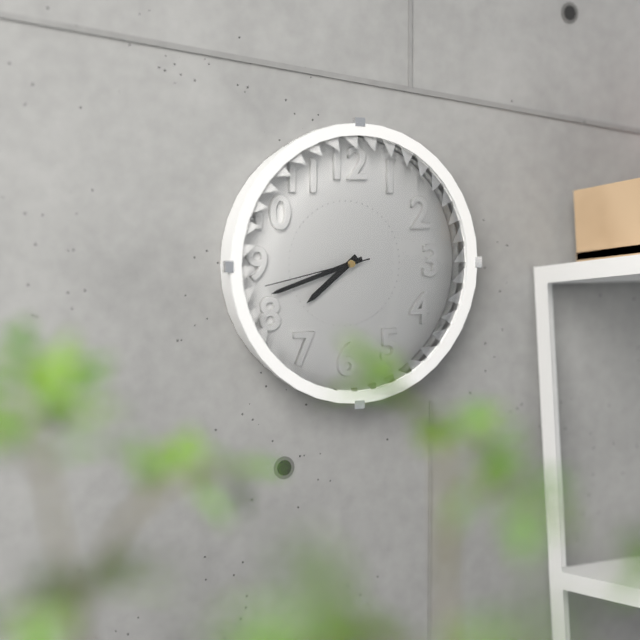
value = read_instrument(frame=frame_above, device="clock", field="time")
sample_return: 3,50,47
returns 7,42,43
